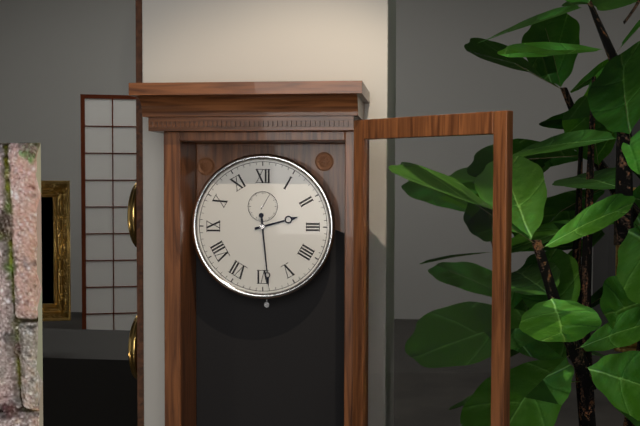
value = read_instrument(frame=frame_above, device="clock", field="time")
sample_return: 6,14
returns 2,29
